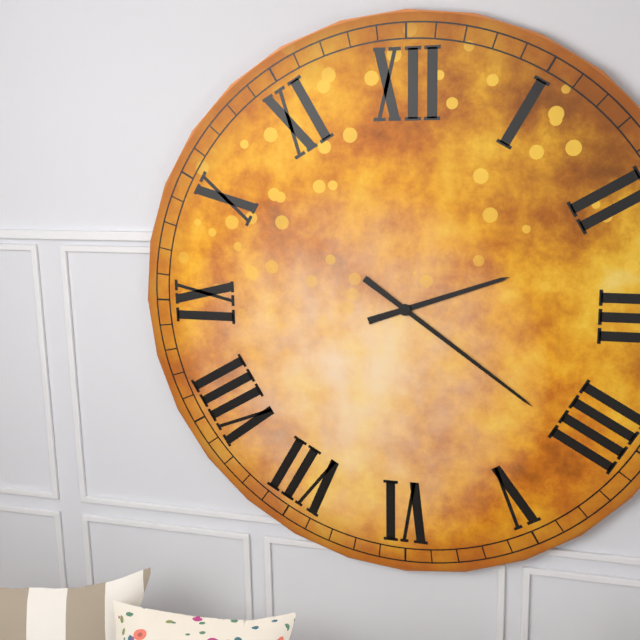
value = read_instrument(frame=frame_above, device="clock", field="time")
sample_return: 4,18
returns 2,21
